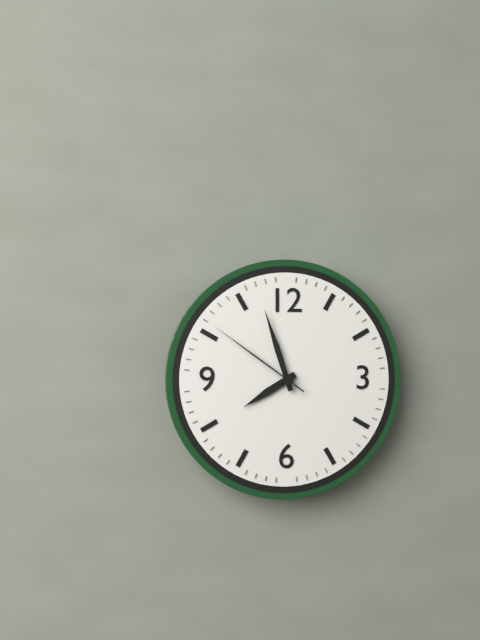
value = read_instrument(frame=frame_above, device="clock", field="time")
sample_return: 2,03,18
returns 7,57,51
